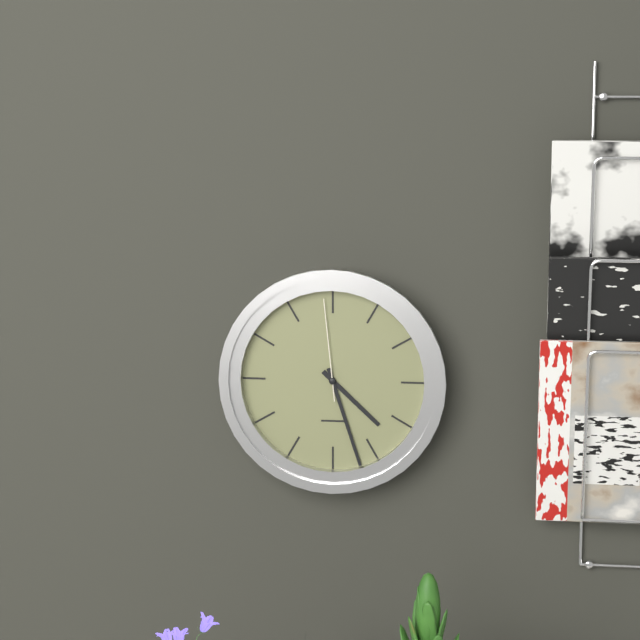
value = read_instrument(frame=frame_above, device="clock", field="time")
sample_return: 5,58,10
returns 4,27,59
